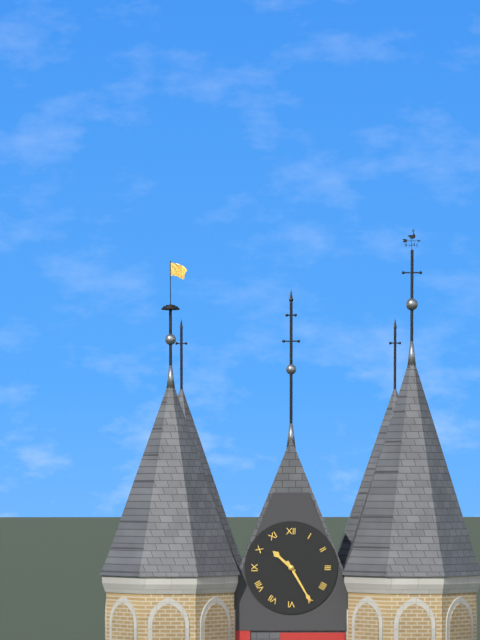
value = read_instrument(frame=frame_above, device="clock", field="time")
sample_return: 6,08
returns 10,25
